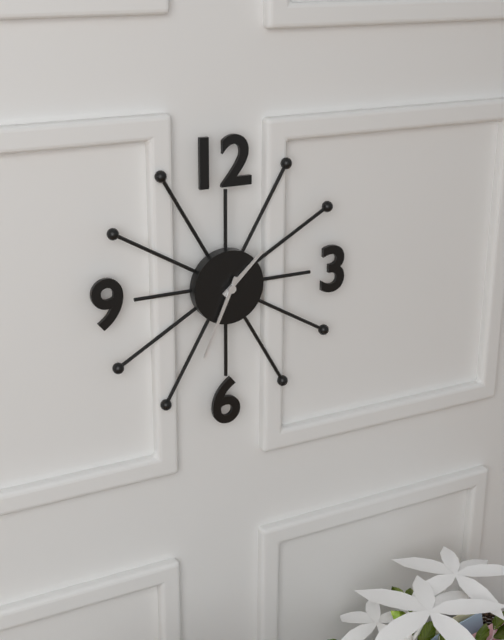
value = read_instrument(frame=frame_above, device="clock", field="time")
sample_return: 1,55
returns 1,34
